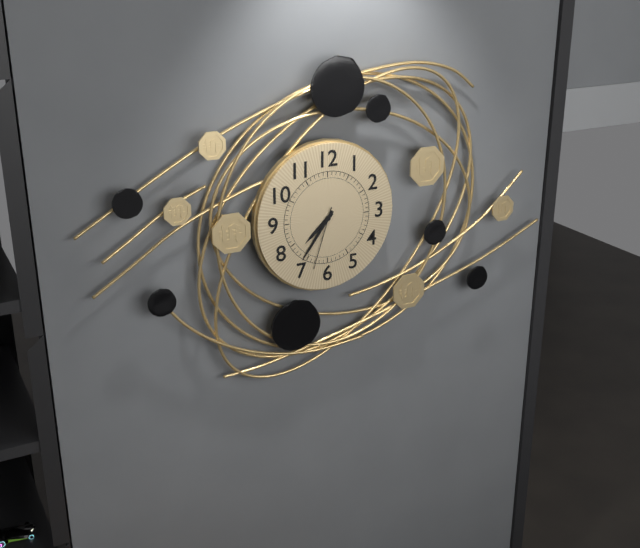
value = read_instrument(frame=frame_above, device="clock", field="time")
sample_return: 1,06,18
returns 7,36,33
